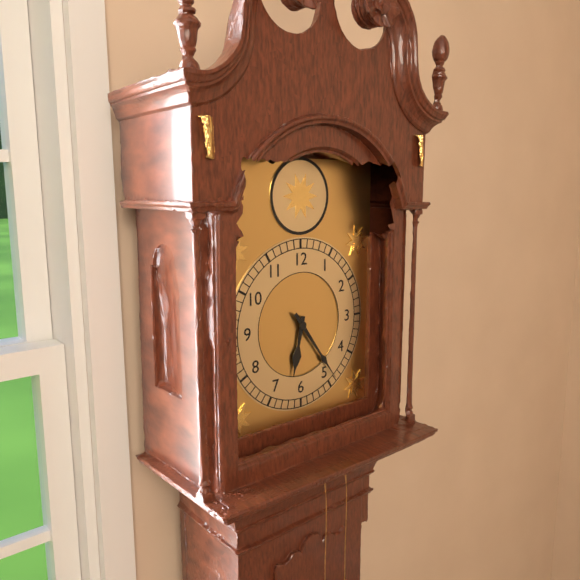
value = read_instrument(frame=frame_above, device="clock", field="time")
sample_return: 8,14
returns 6,24
